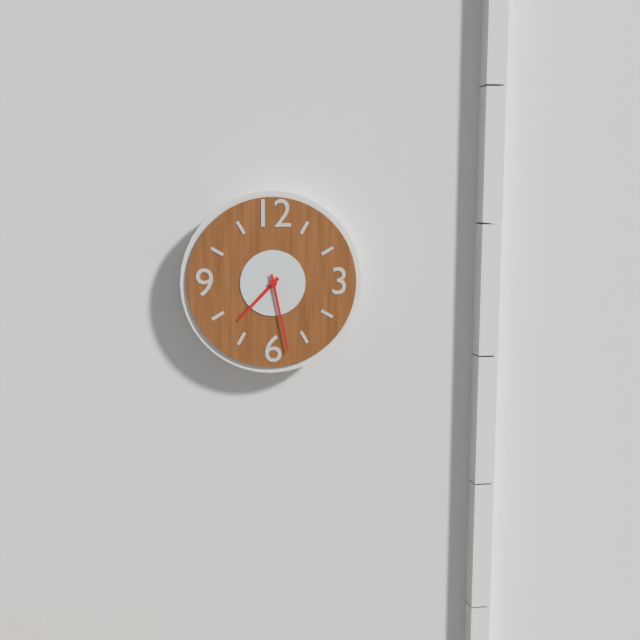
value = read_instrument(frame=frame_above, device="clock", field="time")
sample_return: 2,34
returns 7,28
